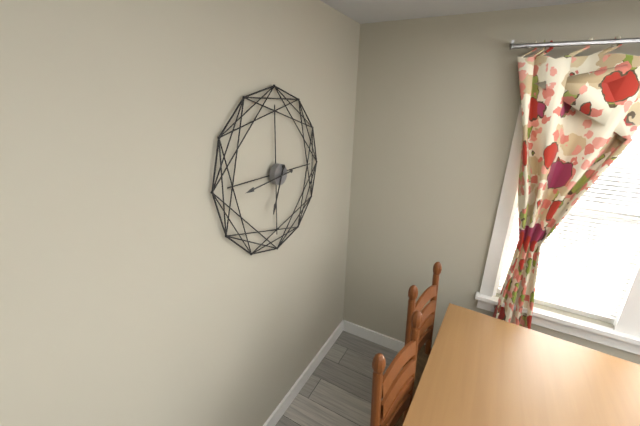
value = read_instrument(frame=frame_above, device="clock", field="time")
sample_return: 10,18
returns 6,44
